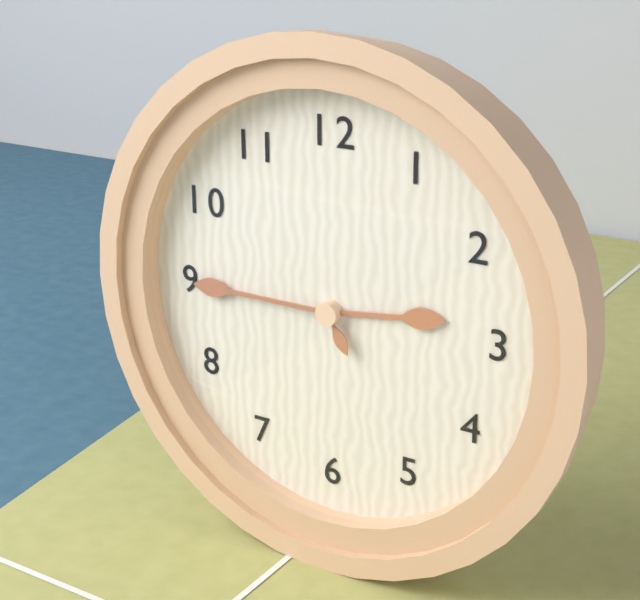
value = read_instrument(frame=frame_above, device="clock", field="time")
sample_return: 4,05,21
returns 2,45,25
